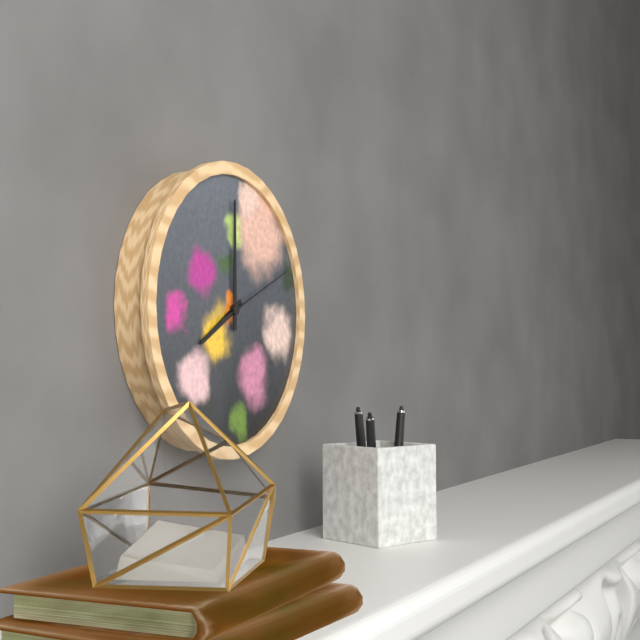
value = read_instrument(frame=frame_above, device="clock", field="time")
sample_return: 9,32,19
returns 8,00,11
